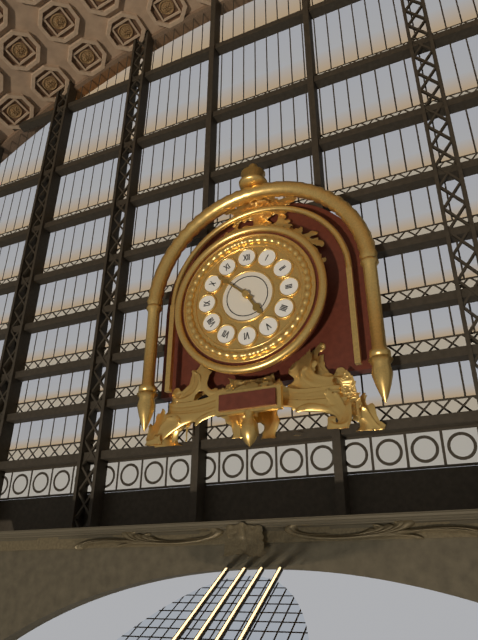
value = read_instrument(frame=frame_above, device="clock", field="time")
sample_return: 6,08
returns 4,52
